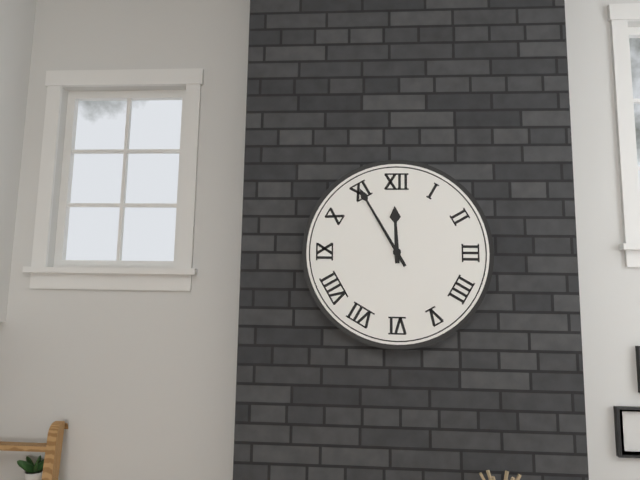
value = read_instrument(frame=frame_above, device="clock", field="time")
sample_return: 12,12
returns 11,55
